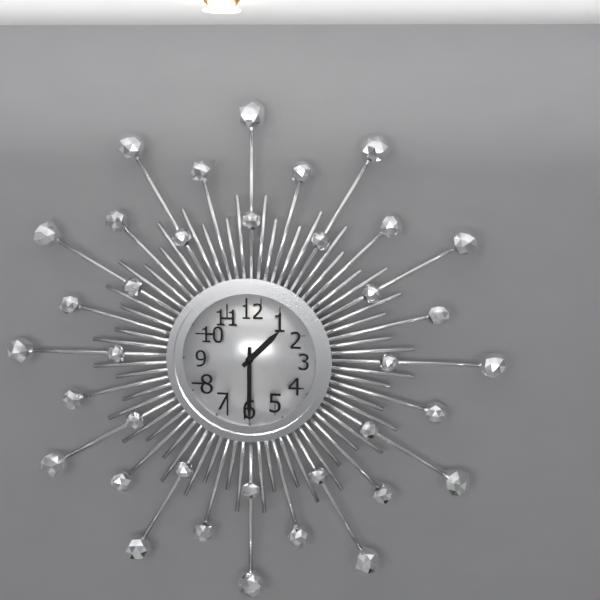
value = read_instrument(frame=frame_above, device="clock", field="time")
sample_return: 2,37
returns 1,30
